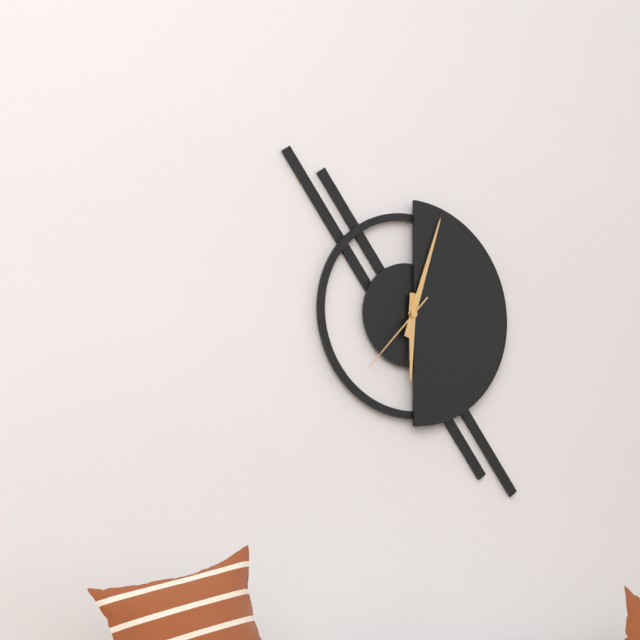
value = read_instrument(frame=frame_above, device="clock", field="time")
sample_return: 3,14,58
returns 6,03,37
